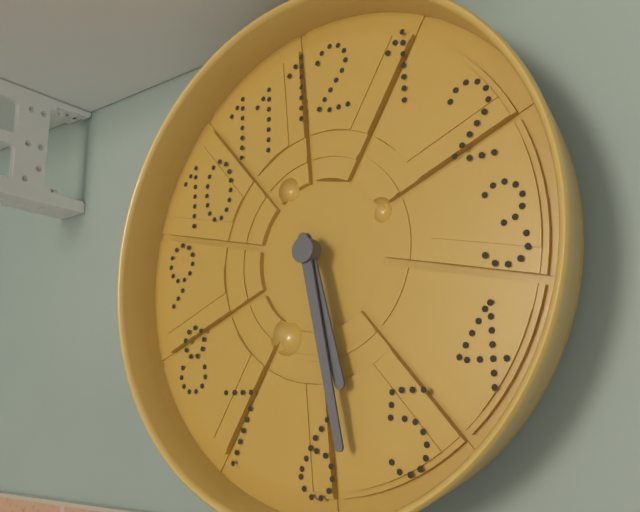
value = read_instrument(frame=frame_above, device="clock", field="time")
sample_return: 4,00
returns 5,28
